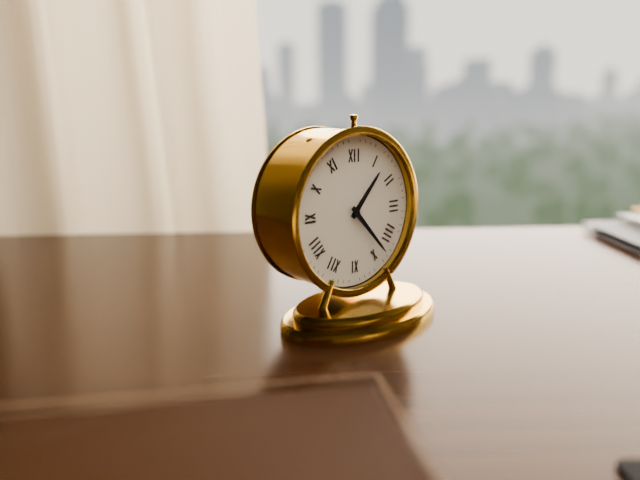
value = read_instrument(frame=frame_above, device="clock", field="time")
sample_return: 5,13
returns 1,23
